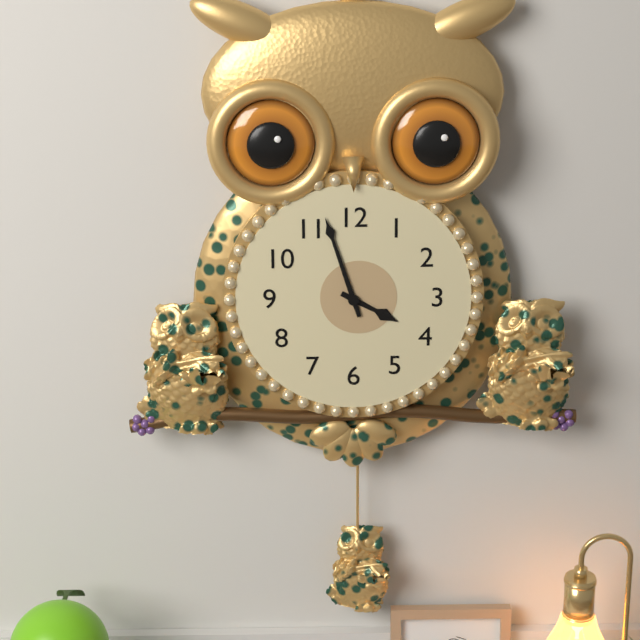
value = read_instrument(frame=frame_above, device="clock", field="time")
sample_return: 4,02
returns 3,57
